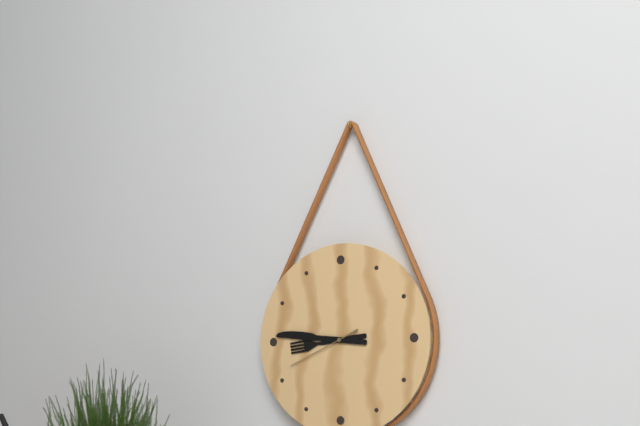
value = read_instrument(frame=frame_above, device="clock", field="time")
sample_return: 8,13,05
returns 8,46,41
